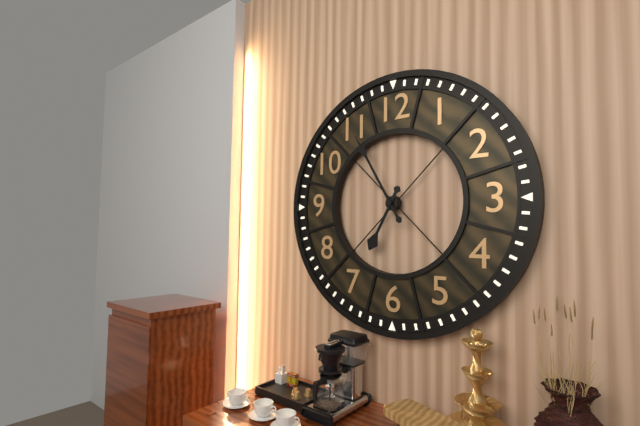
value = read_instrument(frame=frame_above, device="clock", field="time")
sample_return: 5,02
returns 6,55
